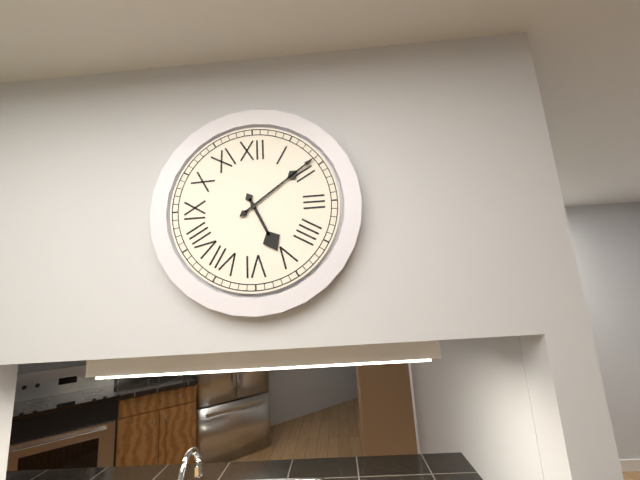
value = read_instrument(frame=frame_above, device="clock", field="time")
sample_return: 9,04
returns 5,09
